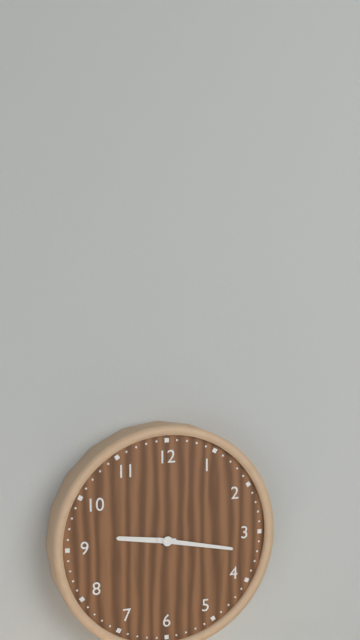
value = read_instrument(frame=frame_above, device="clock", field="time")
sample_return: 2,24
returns 9,17
